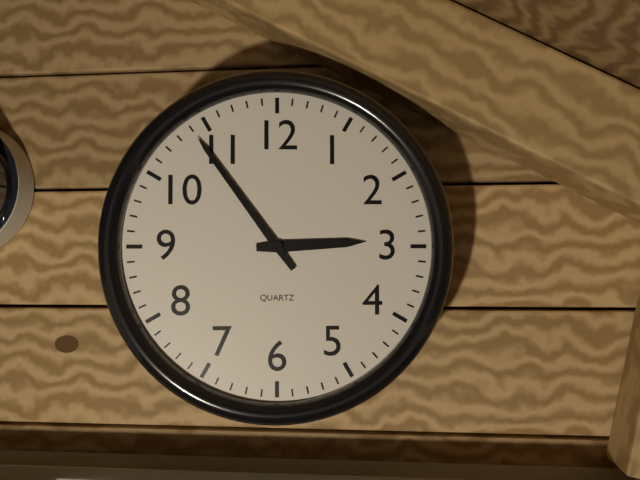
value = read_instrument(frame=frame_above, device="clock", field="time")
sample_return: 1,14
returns 2,54
